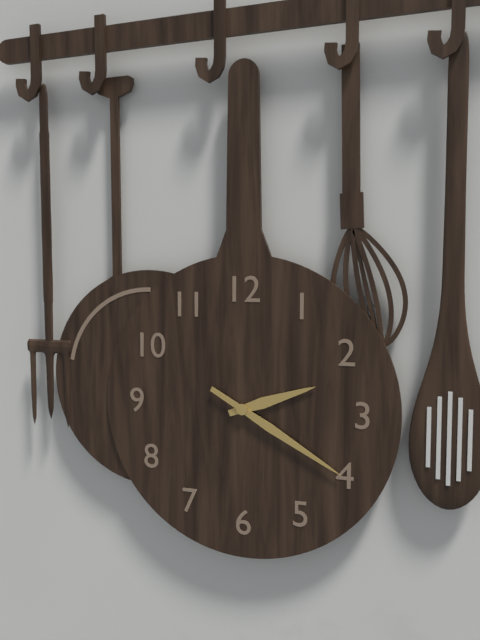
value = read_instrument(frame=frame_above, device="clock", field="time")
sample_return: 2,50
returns 2,20
